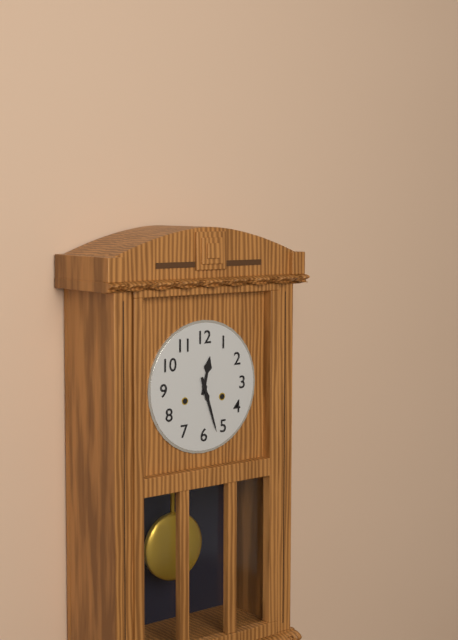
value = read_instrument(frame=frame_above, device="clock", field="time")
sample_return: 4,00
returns 12,27
